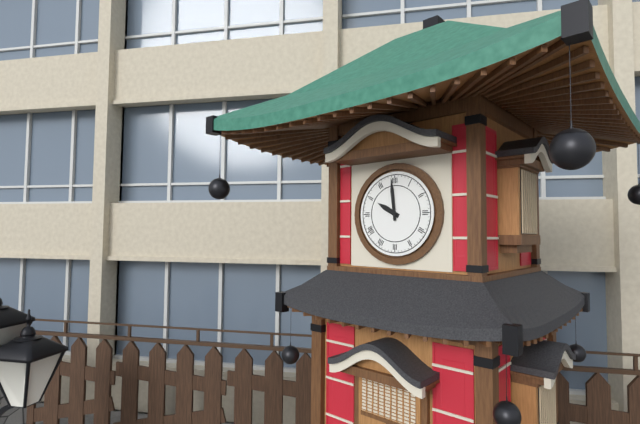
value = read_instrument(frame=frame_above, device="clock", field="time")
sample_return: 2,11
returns 9,59
